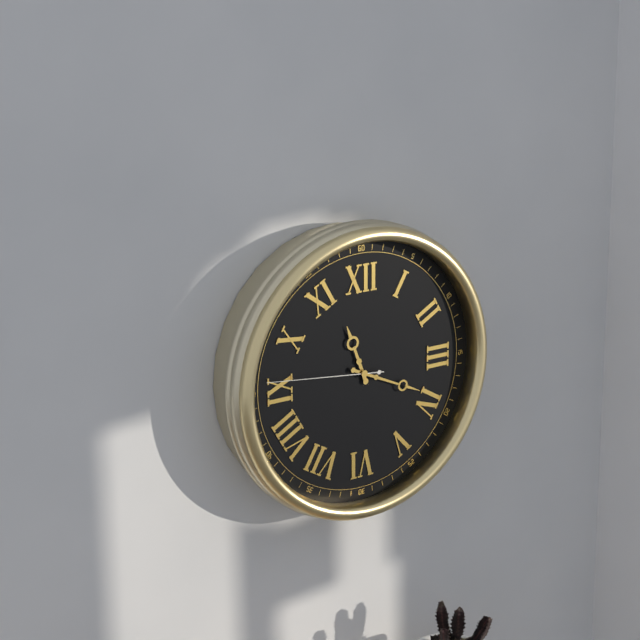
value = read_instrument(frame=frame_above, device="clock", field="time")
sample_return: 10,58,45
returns 11,19,46
